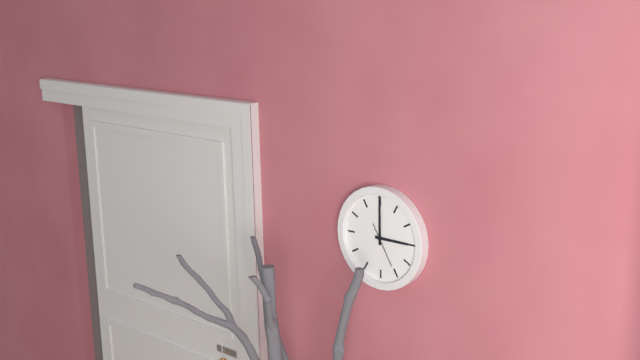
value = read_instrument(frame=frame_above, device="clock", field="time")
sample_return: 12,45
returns 3,00
